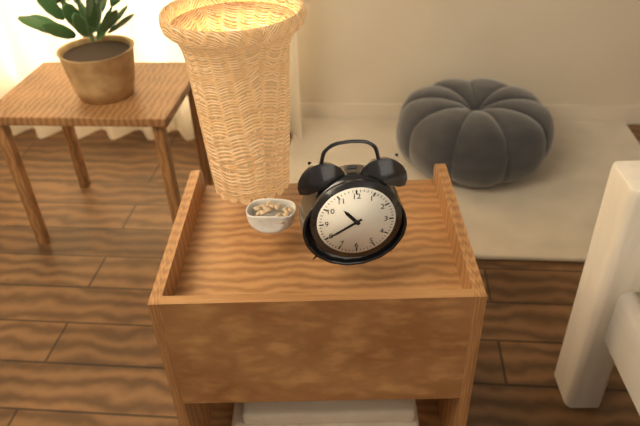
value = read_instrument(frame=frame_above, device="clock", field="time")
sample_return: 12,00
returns 10,40
